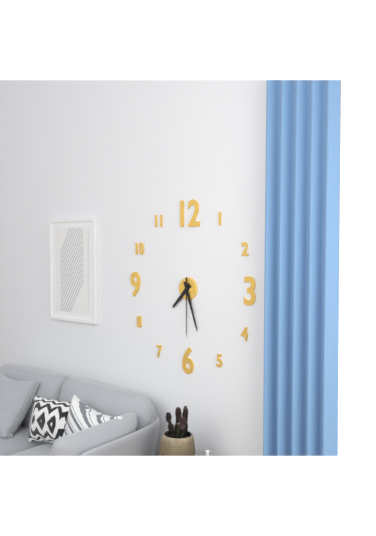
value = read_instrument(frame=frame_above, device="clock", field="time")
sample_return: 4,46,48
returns 7,27,30
